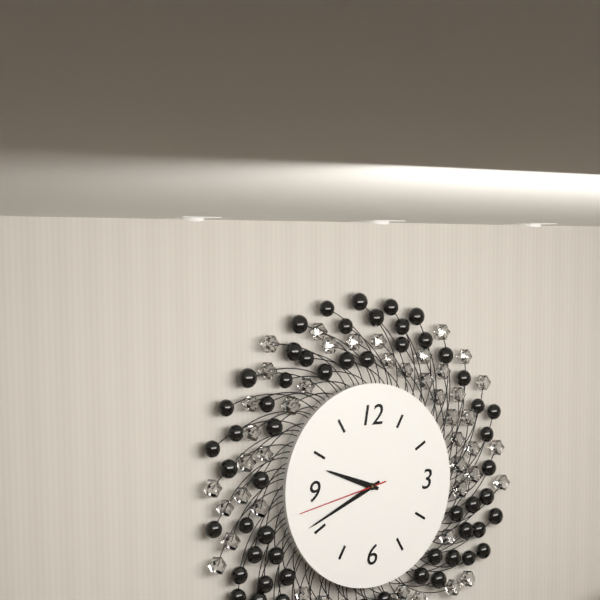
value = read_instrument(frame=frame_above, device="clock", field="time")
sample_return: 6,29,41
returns 9,41,43
